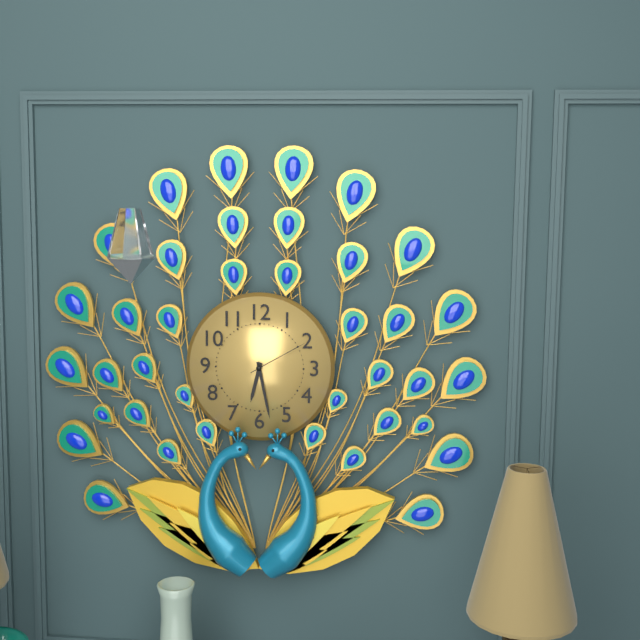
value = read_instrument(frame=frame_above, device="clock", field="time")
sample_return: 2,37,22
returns 6,28,10
